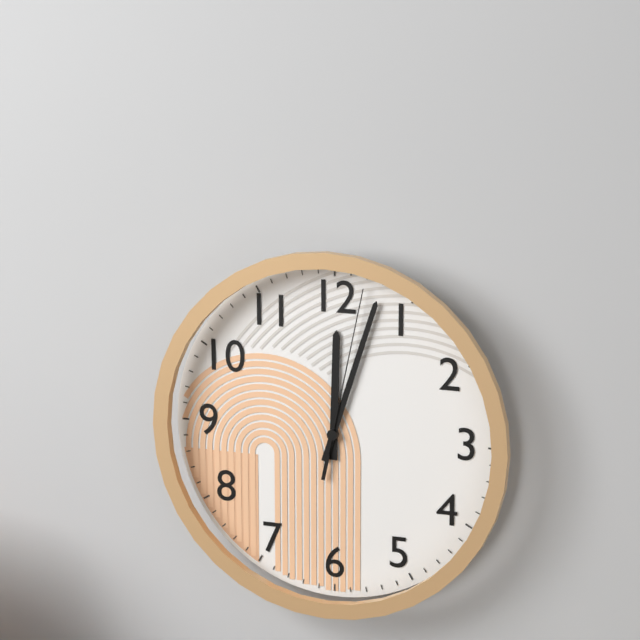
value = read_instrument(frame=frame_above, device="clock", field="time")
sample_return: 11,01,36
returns 12,03,02
